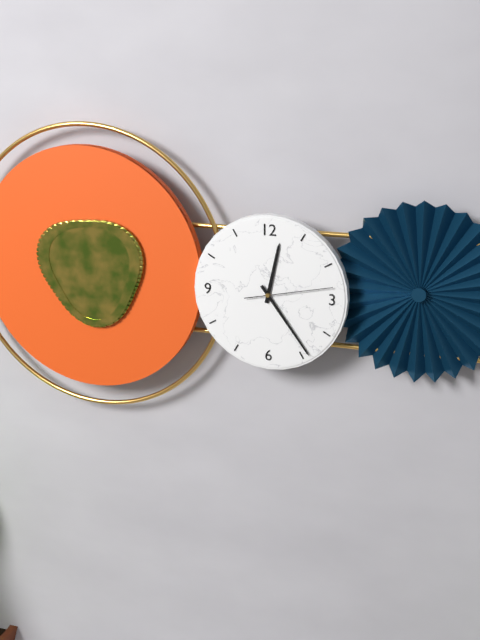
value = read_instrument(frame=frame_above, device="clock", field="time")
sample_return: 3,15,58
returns 12,24,13
